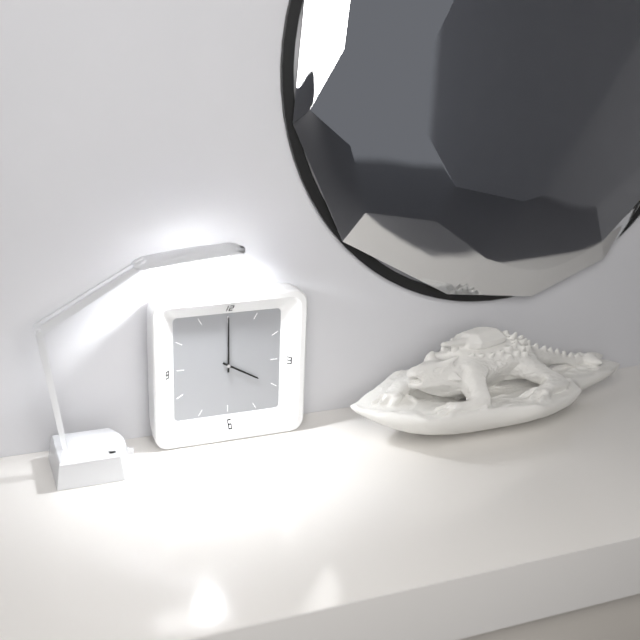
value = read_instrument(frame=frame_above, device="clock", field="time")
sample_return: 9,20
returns 4,00
